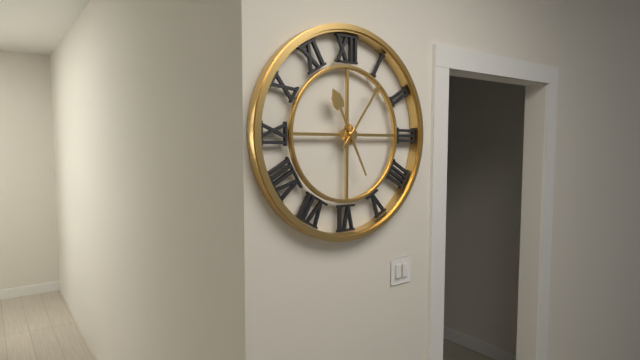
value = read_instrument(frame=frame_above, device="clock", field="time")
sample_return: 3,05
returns 11,06
